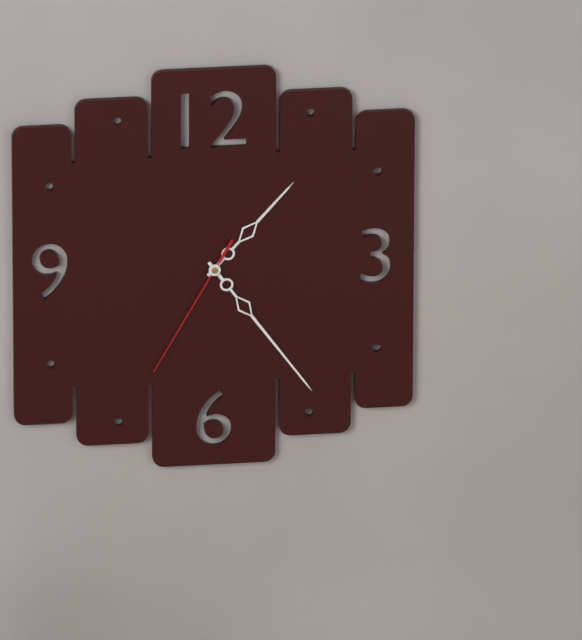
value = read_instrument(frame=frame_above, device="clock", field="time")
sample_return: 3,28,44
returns 1,24,35
